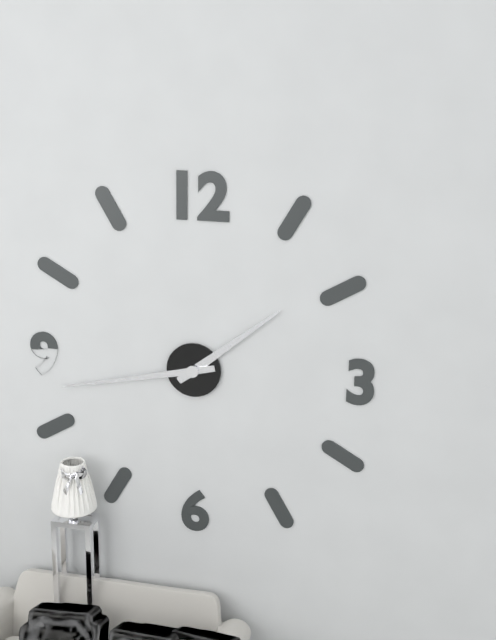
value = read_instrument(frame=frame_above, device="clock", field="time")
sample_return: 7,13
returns 1,43
